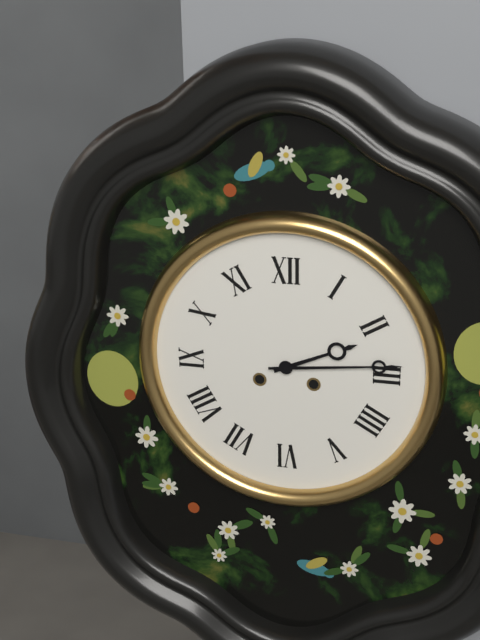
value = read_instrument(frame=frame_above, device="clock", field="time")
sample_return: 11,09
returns 2,14
